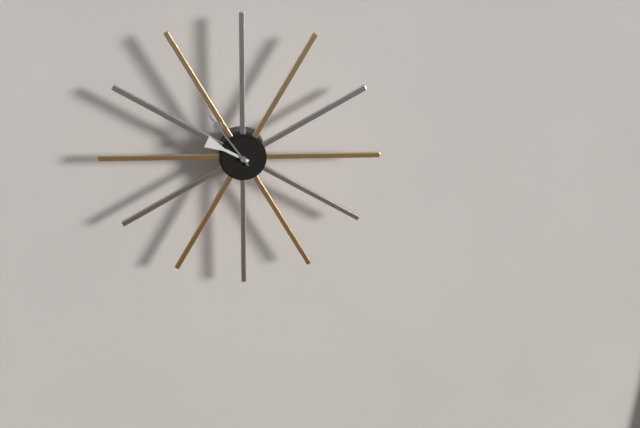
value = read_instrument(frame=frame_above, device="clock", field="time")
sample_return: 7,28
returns 9,54
